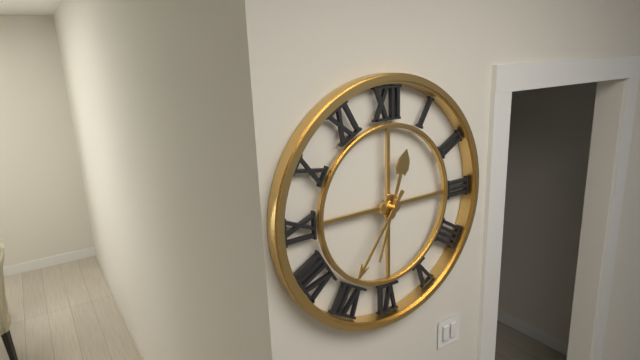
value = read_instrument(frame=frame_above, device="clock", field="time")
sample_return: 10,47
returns 12,36
